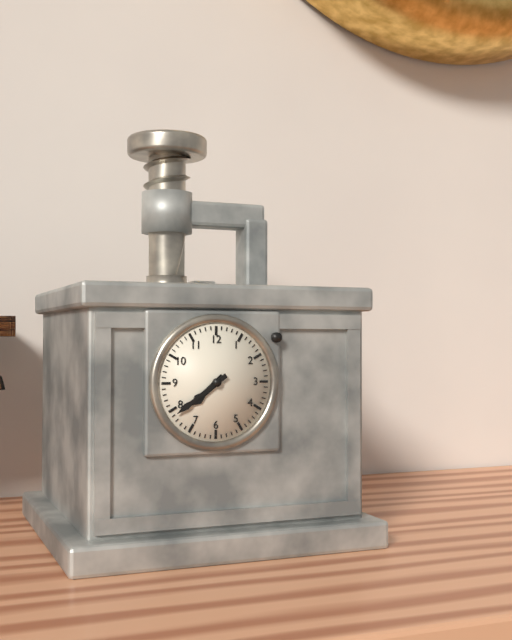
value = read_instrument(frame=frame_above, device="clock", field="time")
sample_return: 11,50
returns 7,39
